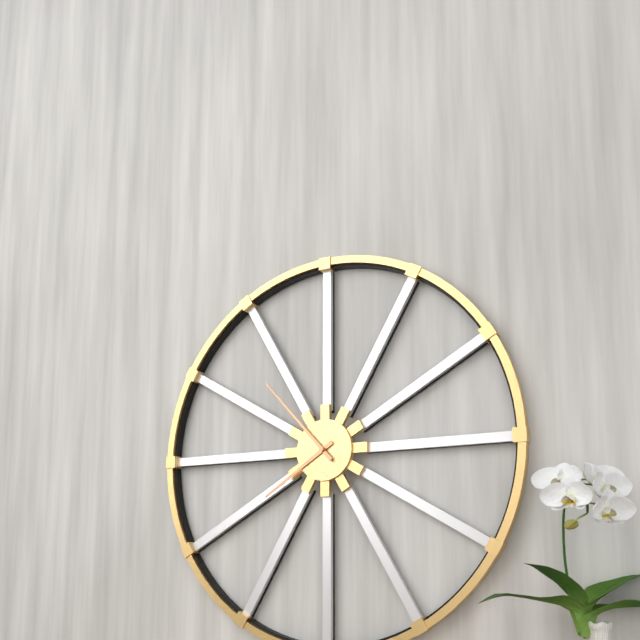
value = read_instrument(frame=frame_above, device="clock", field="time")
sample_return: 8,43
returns 7,53
